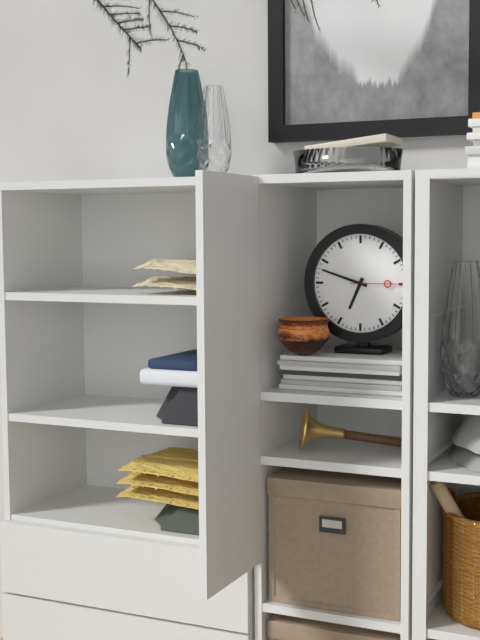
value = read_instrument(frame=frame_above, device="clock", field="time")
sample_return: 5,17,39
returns 6,48,15
